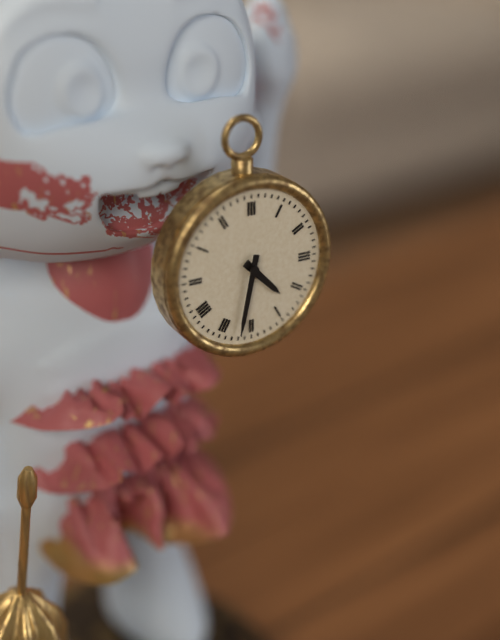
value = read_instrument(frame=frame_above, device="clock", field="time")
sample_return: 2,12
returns 4,32
